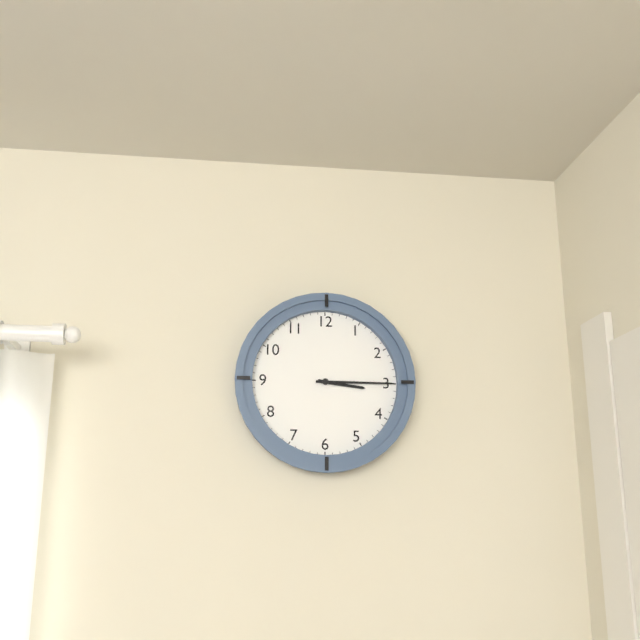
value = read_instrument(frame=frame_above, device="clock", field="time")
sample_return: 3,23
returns 3,15
